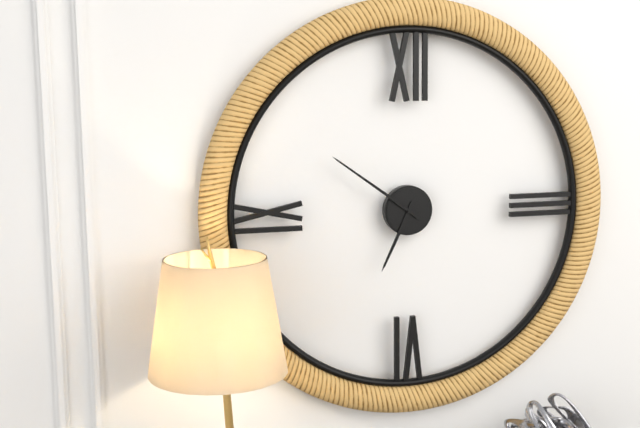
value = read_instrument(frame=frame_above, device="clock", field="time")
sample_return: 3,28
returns 6,51
